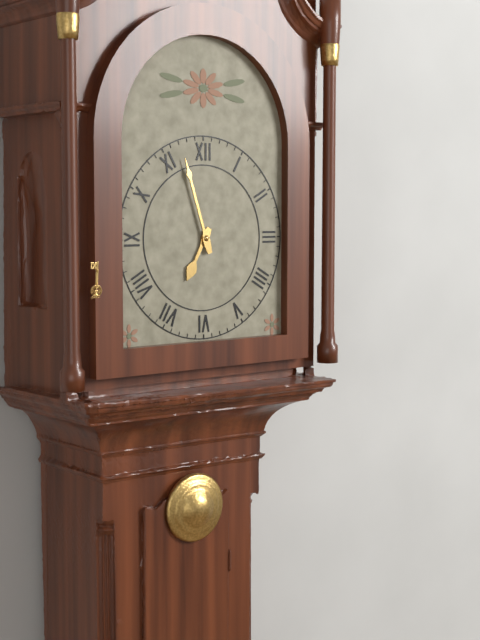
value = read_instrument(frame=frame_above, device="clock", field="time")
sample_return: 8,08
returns 6,57
